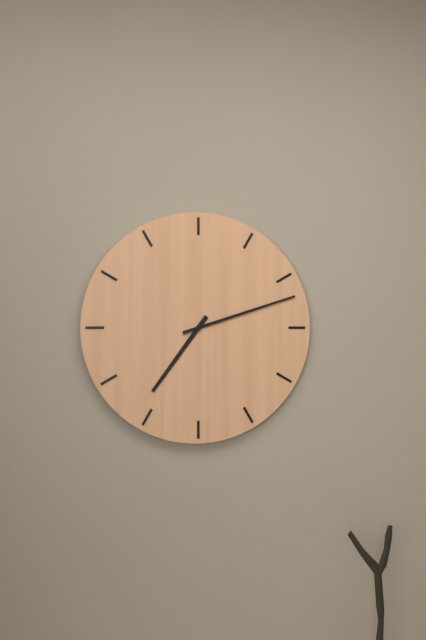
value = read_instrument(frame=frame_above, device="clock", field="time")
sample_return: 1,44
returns 7,12
